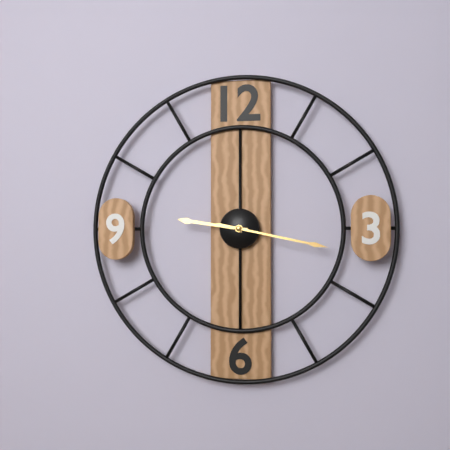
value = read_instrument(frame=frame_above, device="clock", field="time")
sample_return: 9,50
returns 9,17
